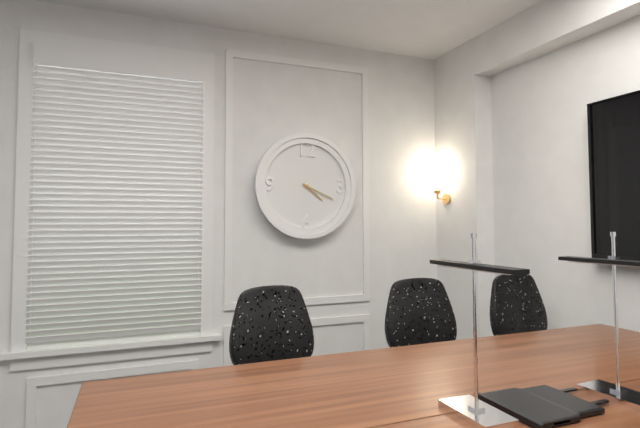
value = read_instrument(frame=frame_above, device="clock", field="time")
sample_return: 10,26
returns 4,19
